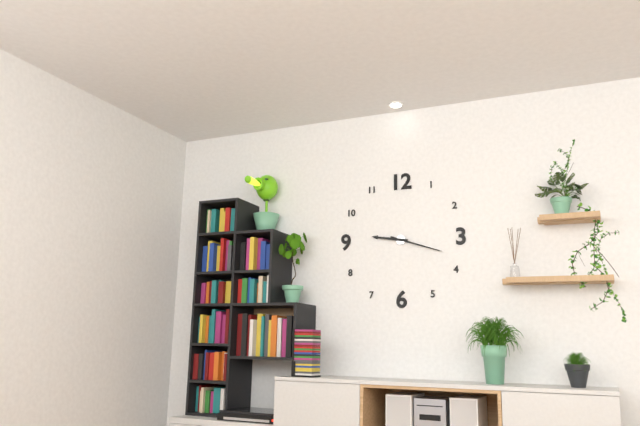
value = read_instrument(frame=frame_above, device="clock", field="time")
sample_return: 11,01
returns 9,18
